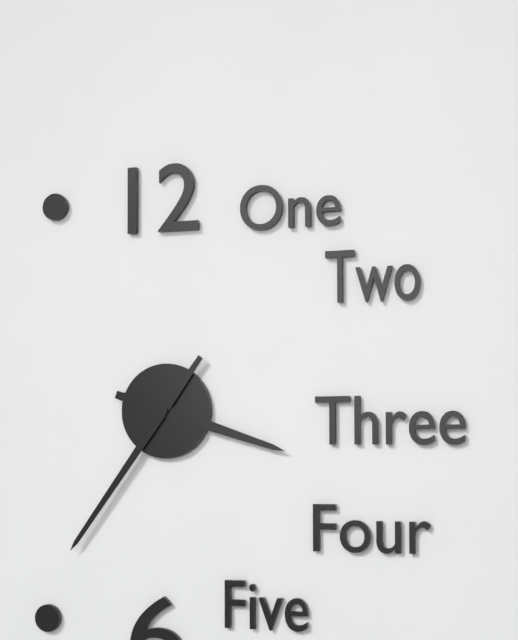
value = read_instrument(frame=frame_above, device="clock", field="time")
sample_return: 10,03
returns 3,36
